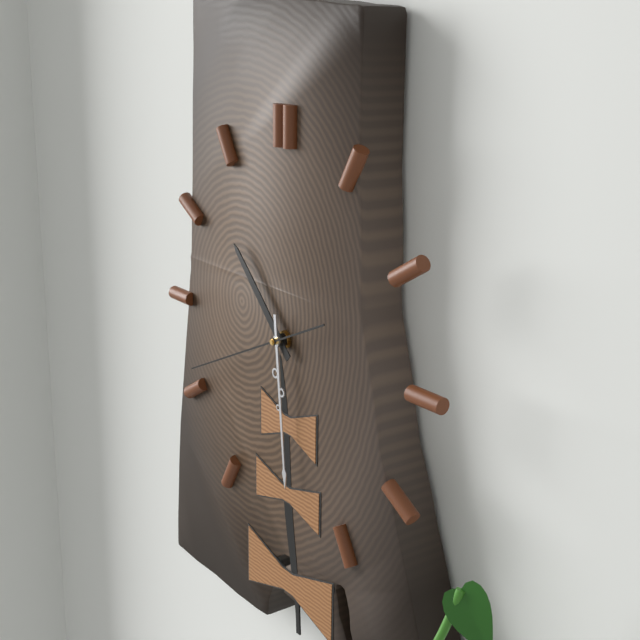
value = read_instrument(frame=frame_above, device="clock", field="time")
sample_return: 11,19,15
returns 10,29,41
